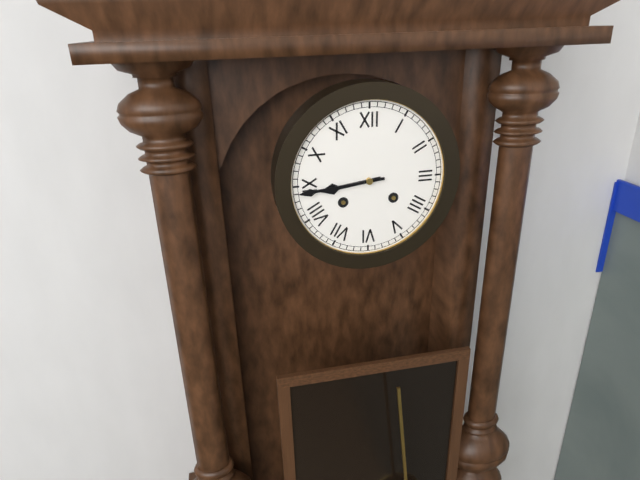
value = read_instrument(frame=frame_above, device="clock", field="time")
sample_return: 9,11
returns 8,44
